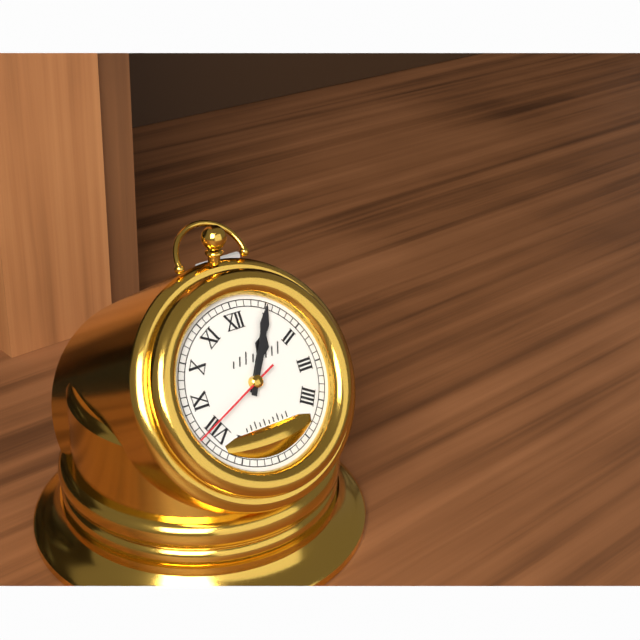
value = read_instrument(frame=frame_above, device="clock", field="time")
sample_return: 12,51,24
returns 1,05,41
